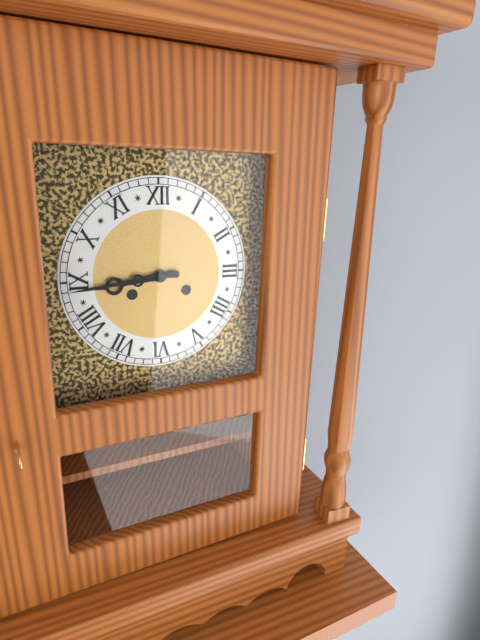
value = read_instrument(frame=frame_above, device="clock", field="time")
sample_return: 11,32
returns 8,44
